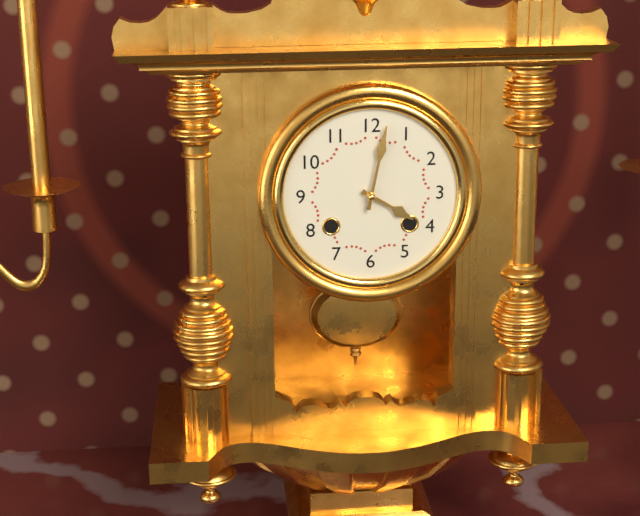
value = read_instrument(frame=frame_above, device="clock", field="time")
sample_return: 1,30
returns 4,02
